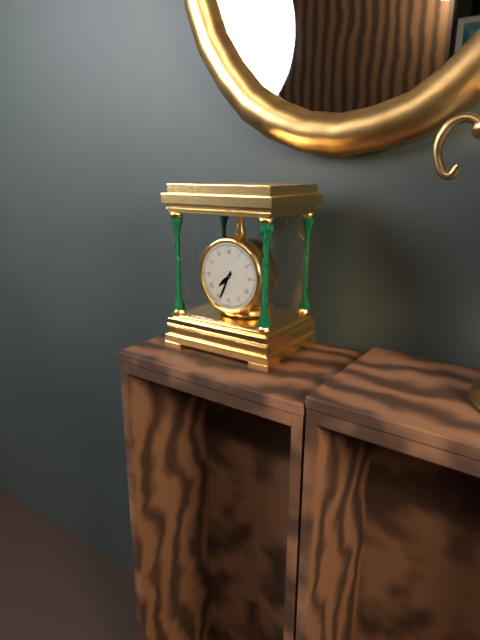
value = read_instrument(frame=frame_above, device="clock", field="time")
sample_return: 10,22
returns 7,34
